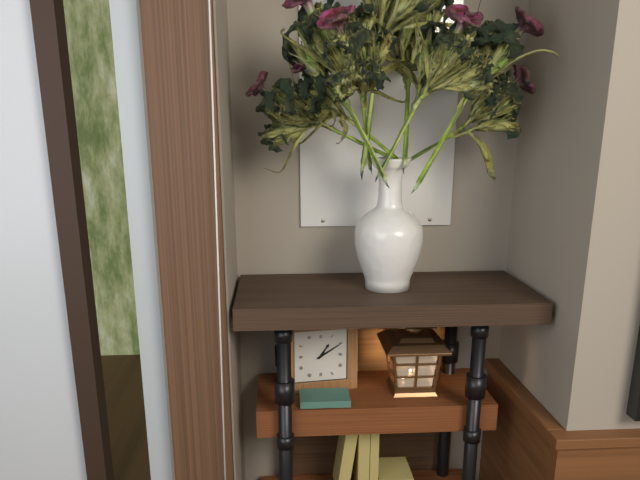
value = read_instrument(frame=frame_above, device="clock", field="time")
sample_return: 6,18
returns 1,10
